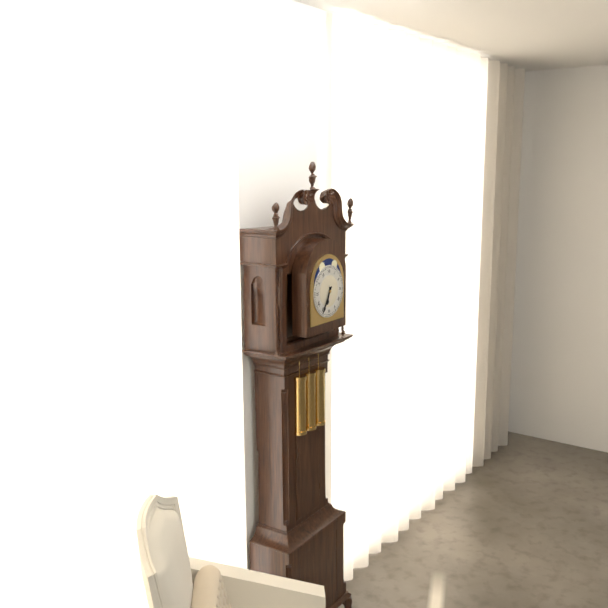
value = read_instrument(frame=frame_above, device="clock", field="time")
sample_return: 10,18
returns 6,35
